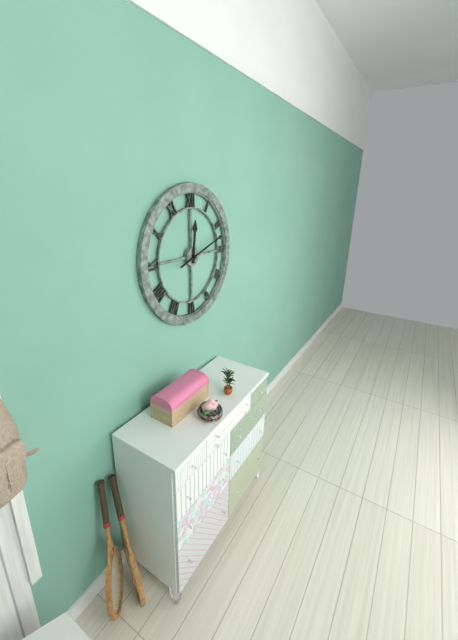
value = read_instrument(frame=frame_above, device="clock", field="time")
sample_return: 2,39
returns 12,12
